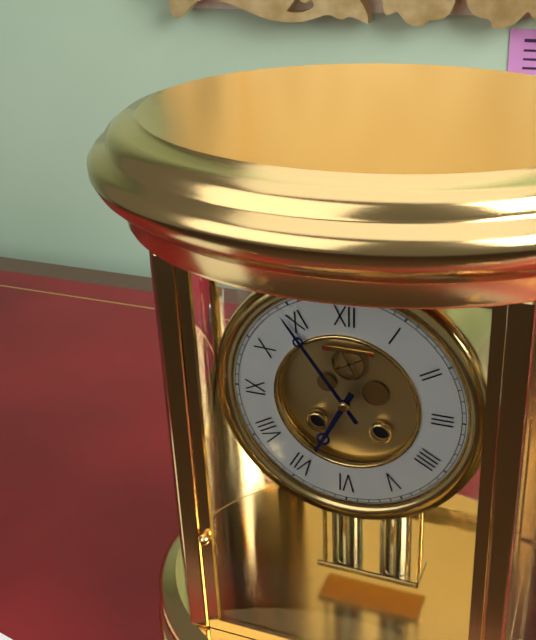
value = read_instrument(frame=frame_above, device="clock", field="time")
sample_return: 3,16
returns 6,54
